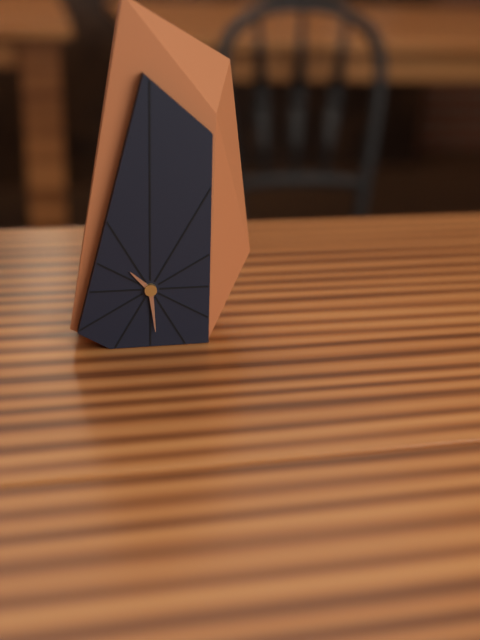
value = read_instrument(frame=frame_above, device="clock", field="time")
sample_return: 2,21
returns 10,29
